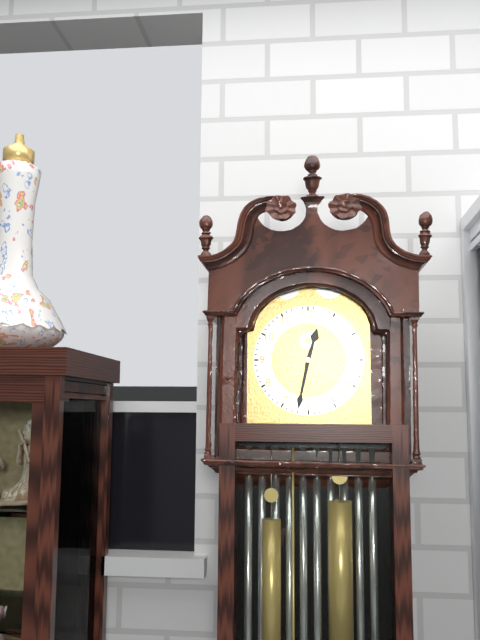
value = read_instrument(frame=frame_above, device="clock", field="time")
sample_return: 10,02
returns 12,32
